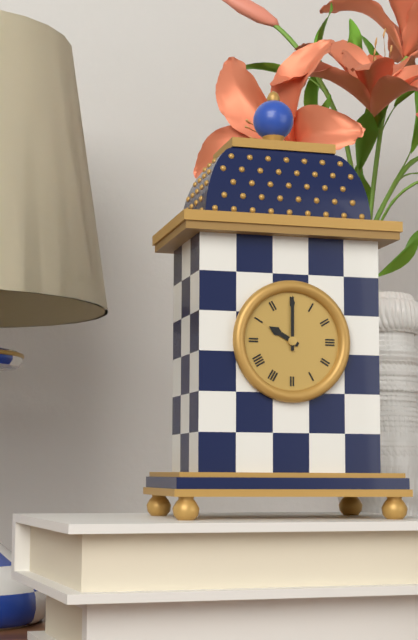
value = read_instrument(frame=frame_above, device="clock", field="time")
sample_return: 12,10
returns 10,00
